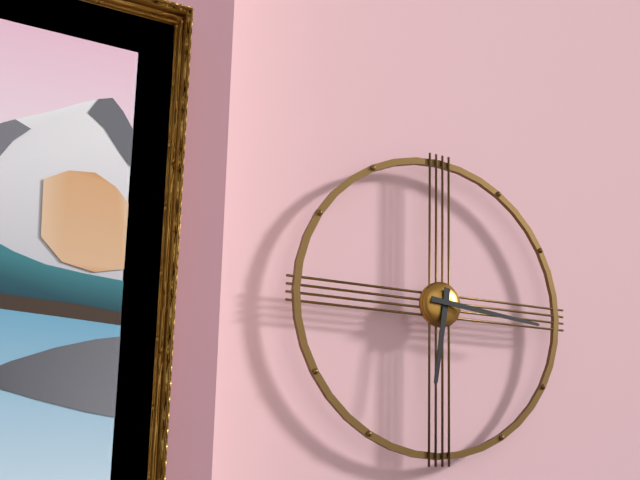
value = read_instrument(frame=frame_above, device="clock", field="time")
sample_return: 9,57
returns 6,16
